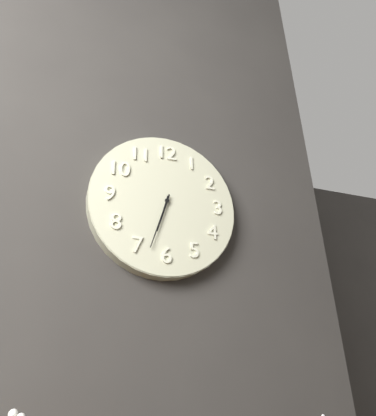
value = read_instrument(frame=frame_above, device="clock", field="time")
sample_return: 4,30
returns 6,33
